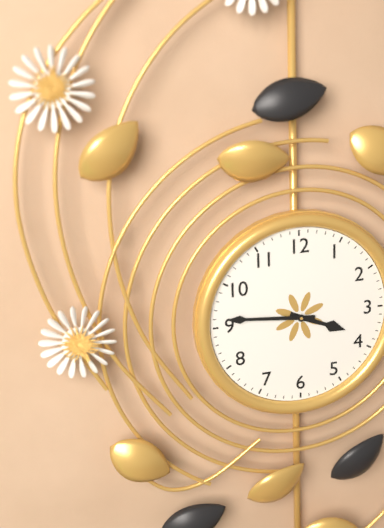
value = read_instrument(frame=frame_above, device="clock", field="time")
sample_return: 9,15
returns 3,46
